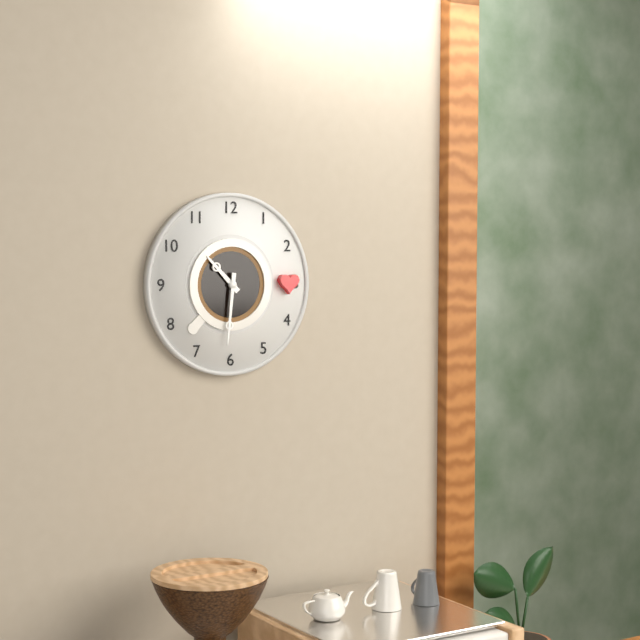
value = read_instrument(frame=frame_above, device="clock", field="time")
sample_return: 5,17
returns 10,31
